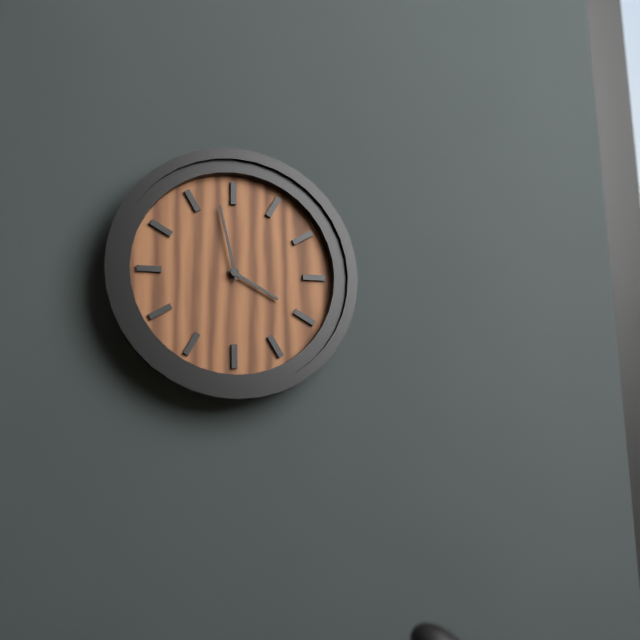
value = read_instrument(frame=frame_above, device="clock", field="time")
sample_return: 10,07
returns 3,58
